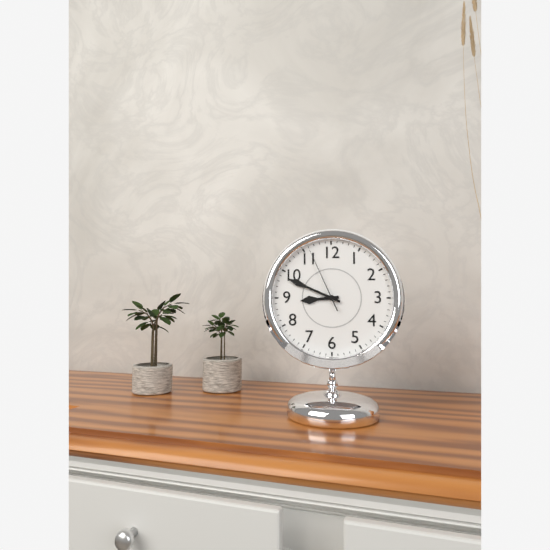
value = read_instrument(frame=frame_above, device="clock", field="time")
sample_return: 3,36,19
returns 8,49,56
